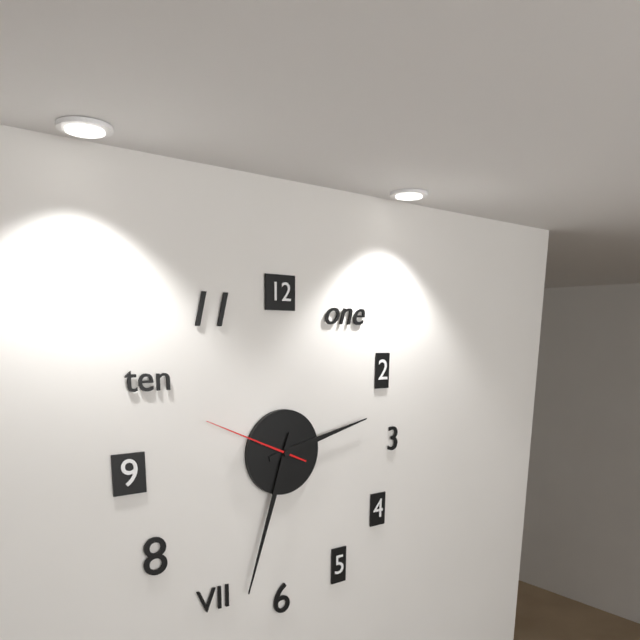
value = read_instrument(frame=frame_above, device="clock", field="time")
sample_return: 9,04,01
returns 2,33,49
